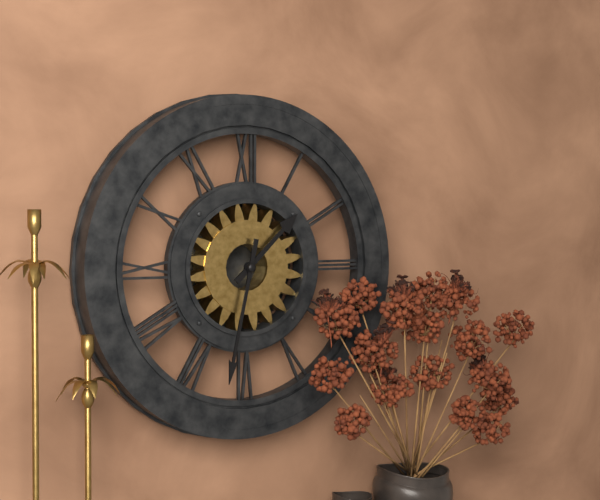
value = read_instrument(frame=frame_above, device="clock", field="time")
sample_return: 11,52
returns 1,32
